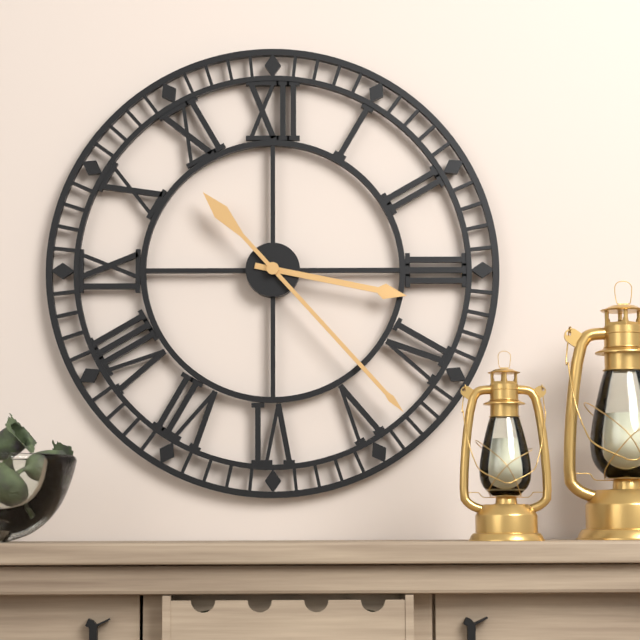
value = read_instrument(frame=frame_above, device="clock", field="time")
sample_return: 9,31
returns 3,23
